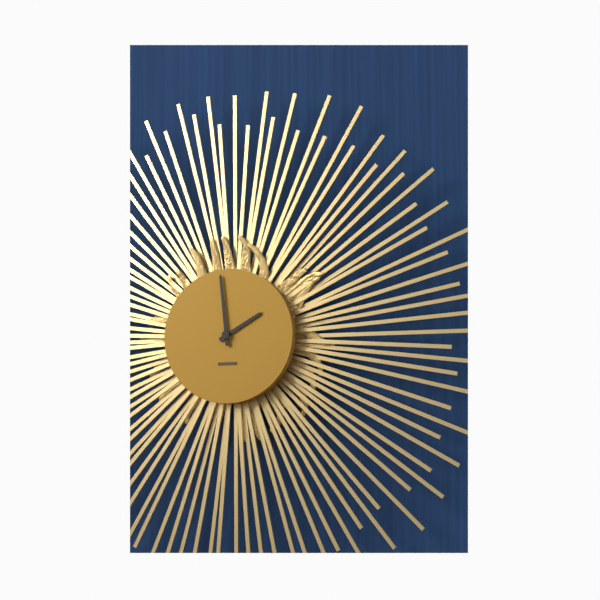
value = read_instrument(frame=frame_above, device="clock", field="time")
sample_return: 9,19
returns 1,59
